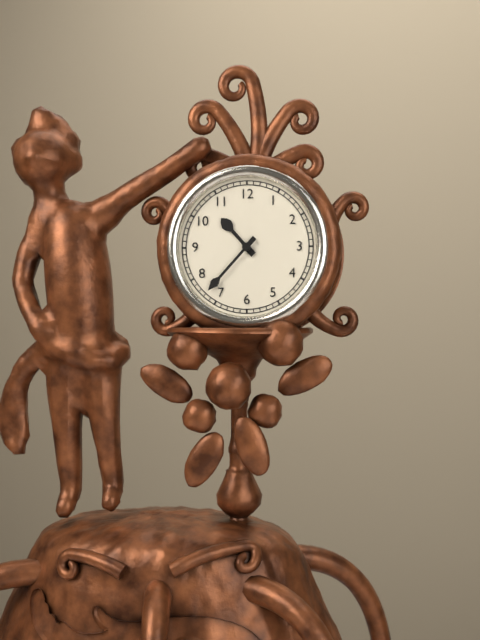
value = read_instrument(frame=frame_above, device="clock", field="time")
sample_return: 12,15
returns 10,37
